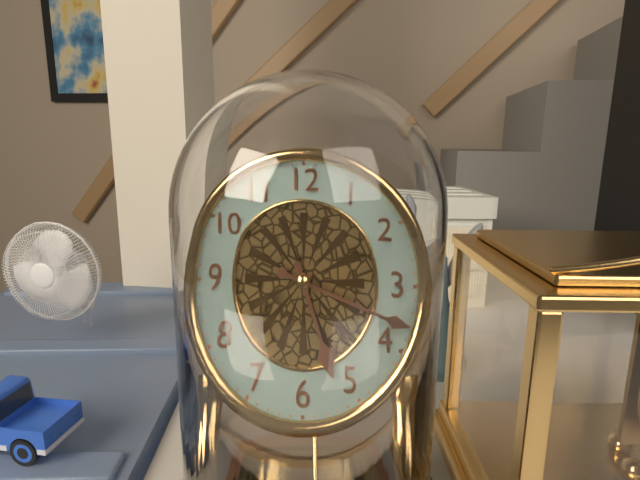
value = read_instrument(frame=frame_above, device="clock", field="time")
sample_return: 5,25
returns 5,18
